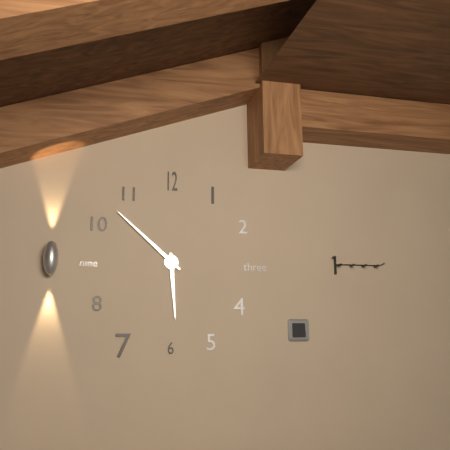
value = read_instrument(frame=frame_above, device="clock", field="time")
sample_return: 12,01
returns 5,52
